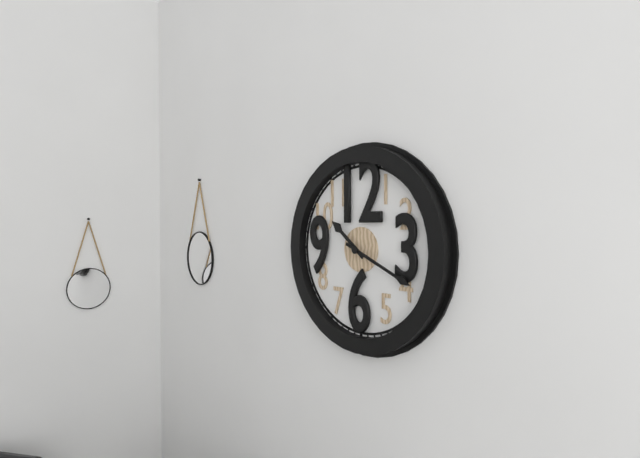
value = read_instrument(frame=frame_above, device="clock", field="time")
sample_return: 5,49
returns 10,19
